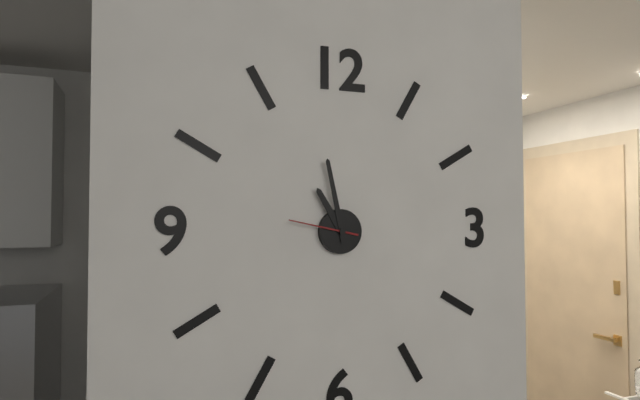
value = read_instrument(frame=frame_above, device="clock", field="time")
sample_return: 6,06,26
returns 10,58,47
